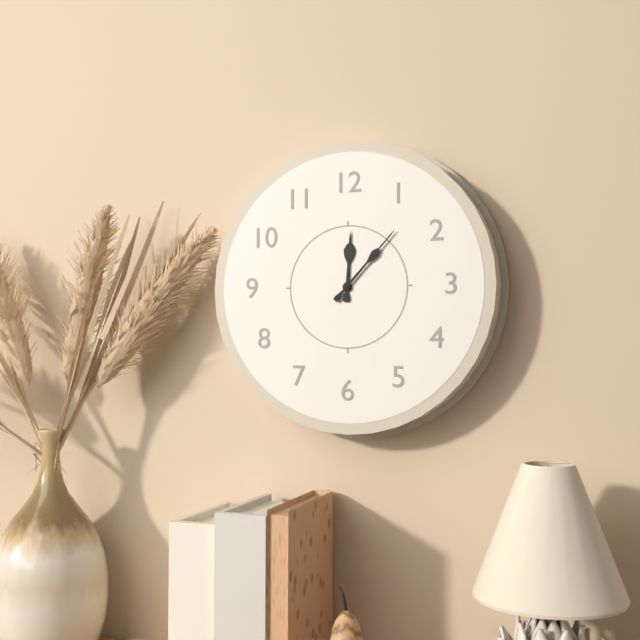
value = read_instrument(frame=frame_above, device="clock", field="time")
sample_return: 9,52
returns 12,07
